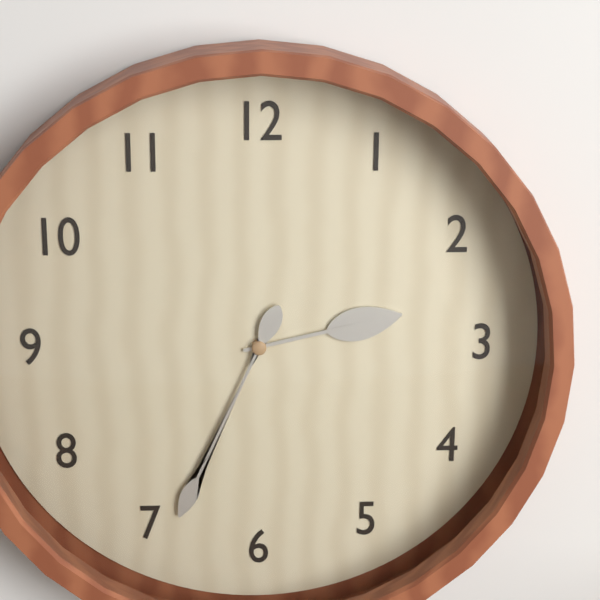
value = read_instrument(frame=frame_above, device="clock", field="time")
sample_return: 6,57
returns 2,34
